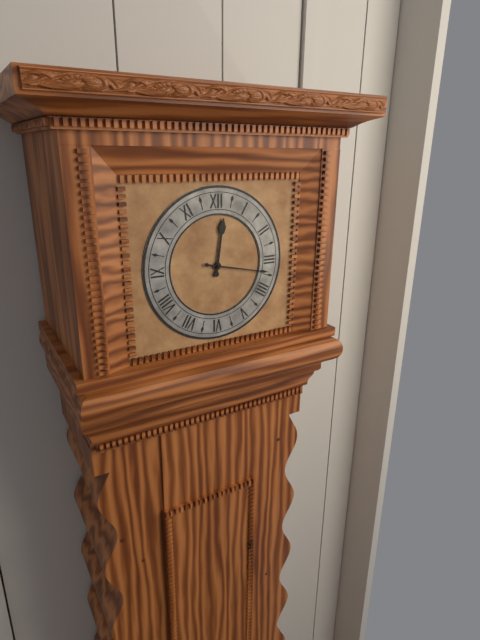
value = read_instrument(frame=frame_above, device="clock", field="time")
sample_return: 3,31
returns 12,17
